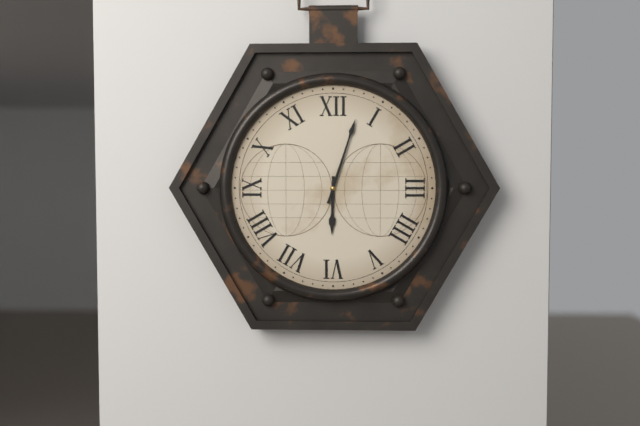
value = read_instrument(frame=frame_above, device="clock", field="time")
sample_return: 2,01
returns 6,03
